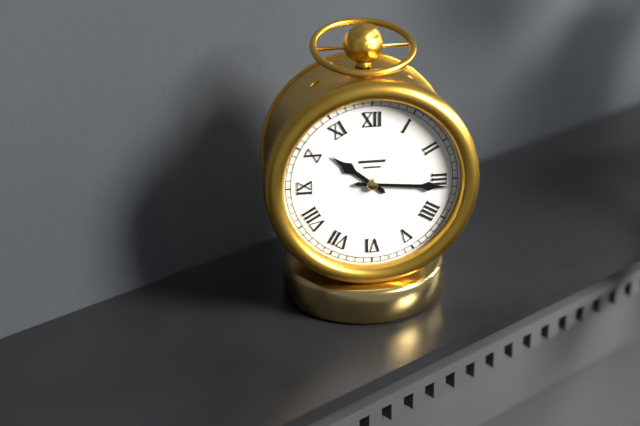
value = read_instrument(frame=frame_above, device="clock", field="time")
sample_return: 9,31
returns 10,16
